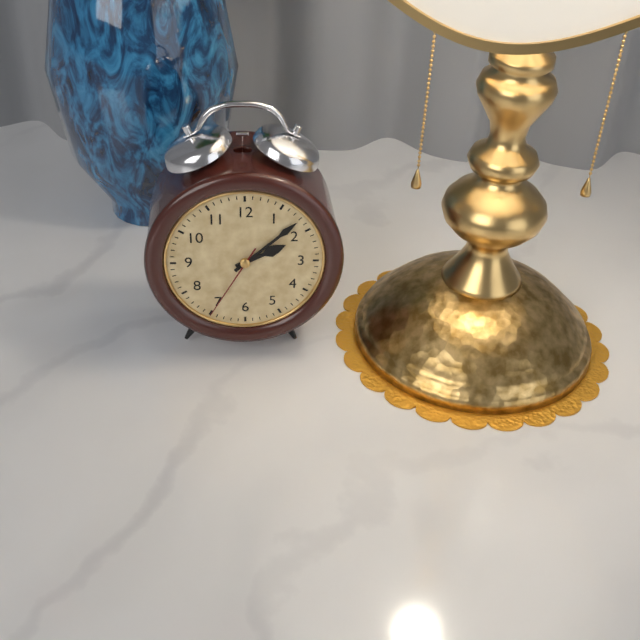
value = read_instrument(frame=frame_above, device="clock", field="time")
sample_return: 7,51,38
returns 2,08,35
